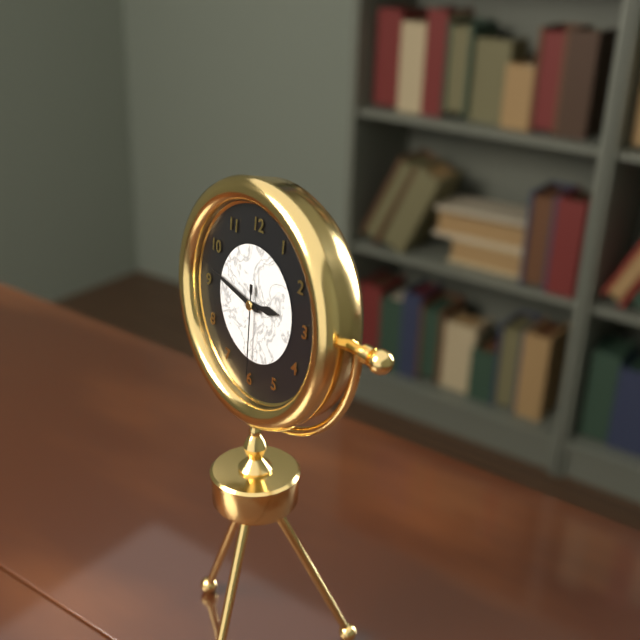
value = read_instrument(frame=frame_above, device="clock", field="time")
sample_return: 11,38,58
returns 2,47,30
